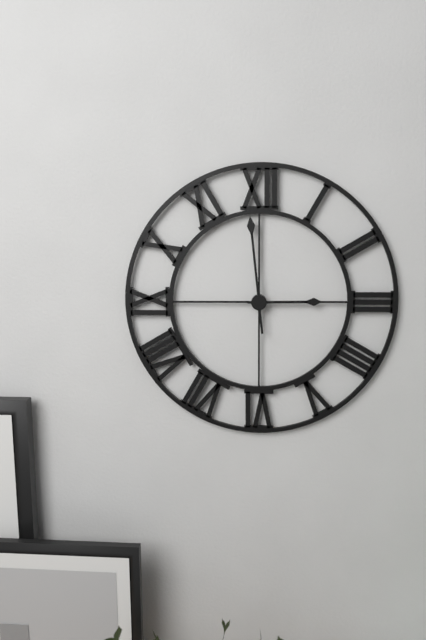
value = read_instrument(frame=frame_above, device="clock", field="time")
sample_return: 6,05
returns 2,59
